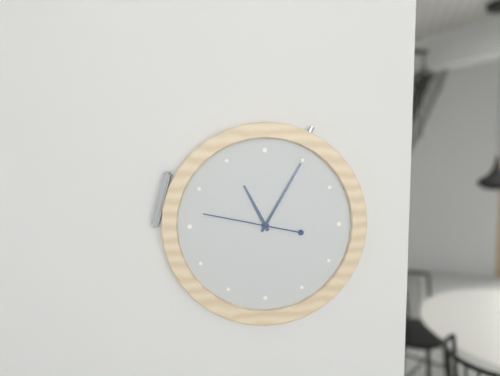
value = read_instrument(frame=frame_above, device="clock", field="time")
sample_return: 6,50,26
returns 11,05,47
